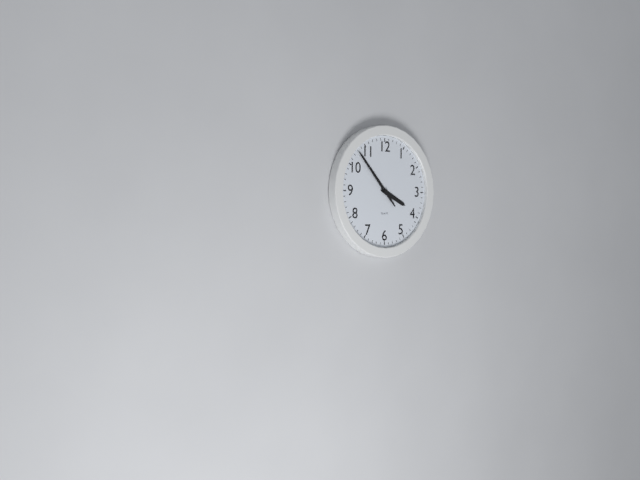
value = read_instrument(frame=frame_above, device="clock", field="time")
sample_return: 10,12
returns 3,53
